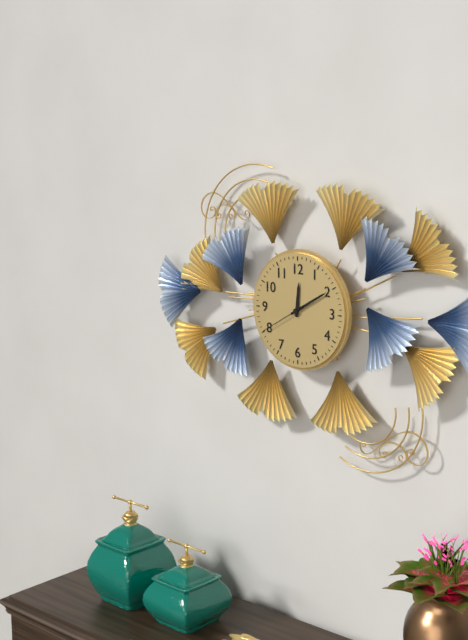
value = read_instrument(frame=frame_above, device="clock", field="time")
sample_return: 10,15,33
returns 12,10,40
